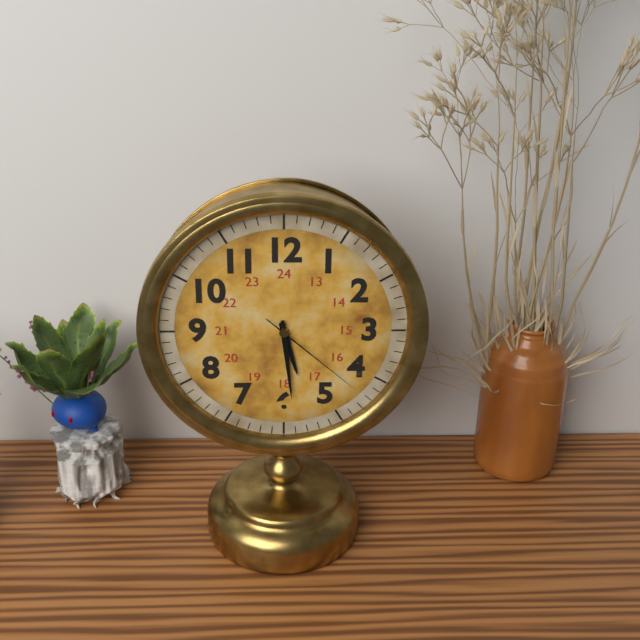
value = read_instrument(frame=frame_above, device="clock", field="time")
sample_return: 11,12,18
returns 5,29,22
